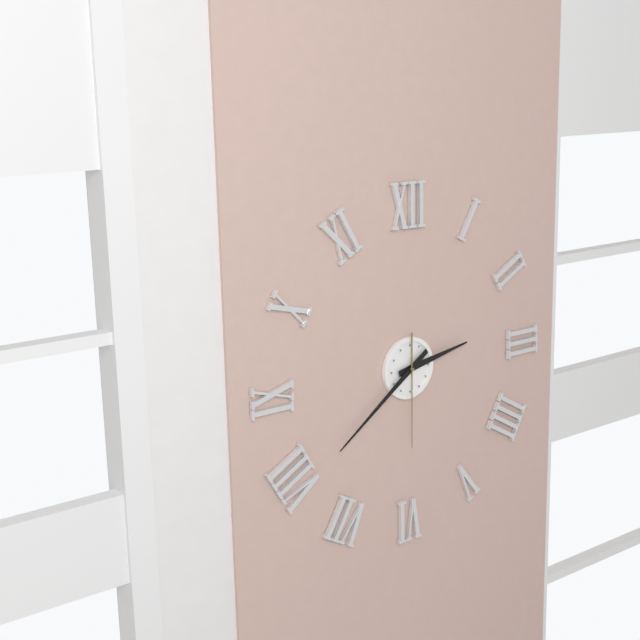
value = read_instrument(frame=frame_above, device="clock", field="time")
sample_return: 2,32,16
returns 2,39,30
